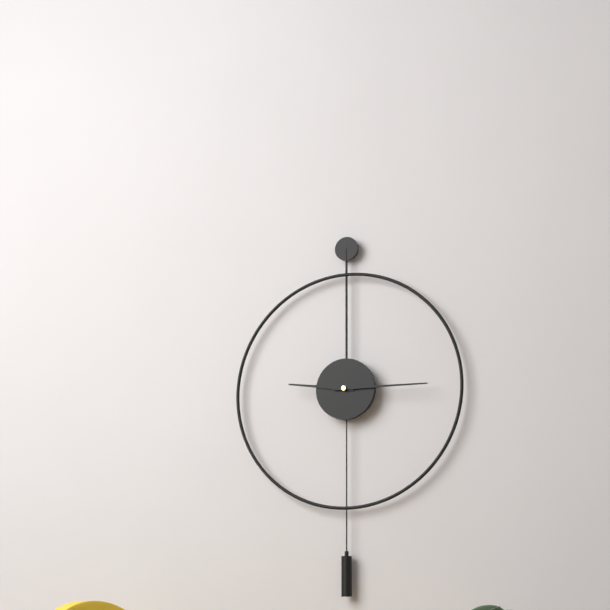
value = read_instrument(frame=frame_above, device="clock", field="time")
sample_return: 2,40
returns 9,15
